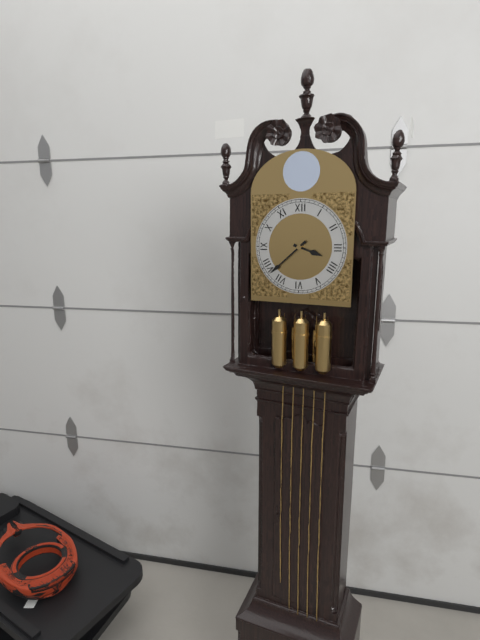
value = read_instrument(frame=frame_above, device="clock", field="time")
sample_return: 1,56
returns 3,38
